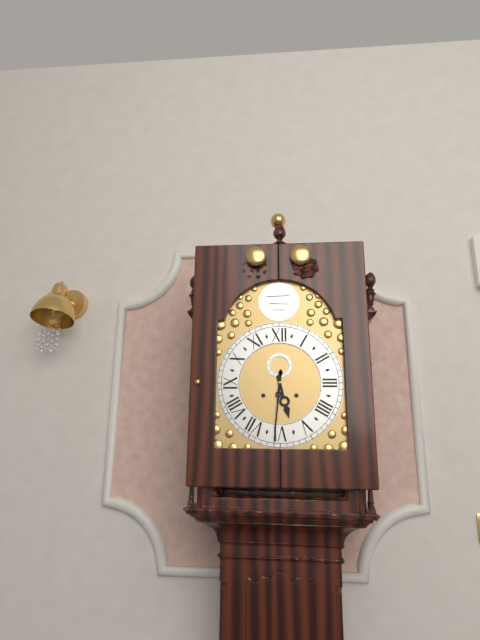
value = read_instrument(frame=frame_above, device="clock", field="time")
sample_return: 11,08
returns 5,31
